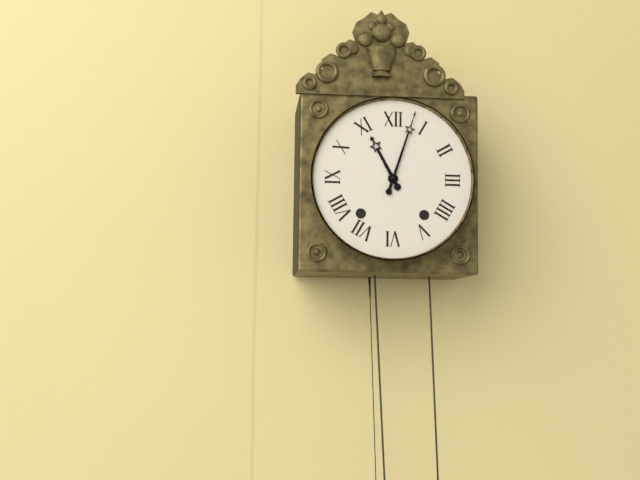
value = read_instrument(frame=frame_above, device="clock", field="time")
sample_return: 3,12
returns 11,03
